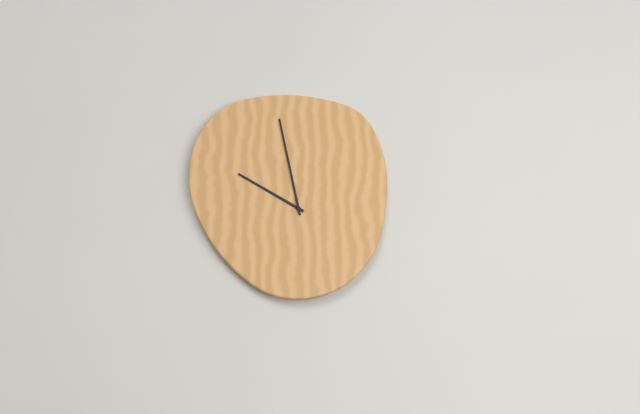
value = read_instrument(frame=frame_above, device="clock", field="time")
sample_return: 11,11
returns 9,58
